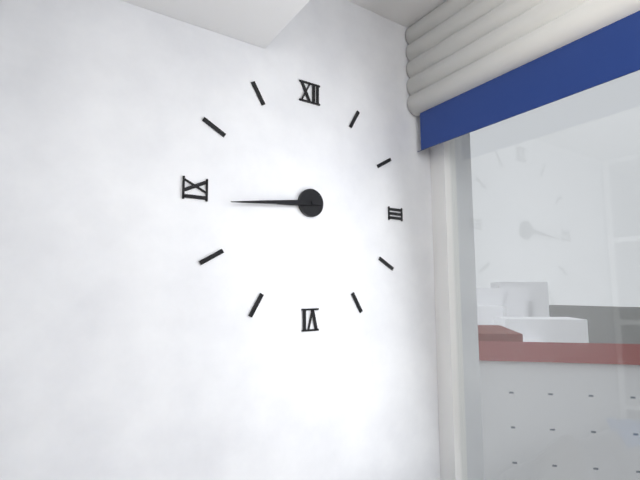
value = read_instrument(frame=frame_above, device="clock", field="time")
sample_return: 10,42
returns 8,44
